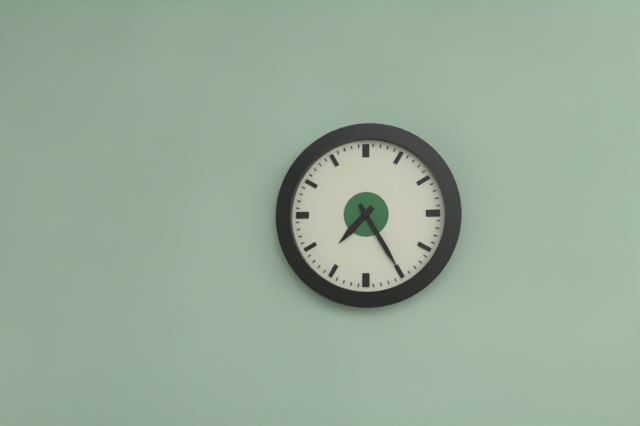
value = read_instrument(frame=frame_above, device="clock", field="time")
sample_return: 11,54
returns 7,25
